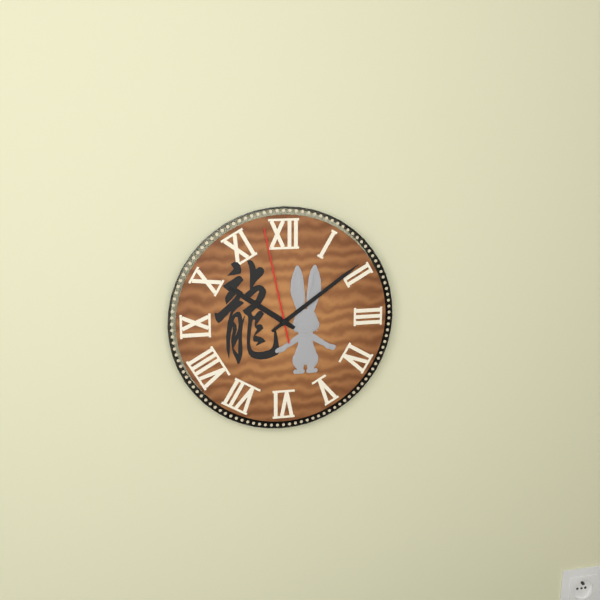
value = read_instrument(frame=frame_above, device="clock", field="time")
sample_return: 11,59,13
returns 10,09,58
